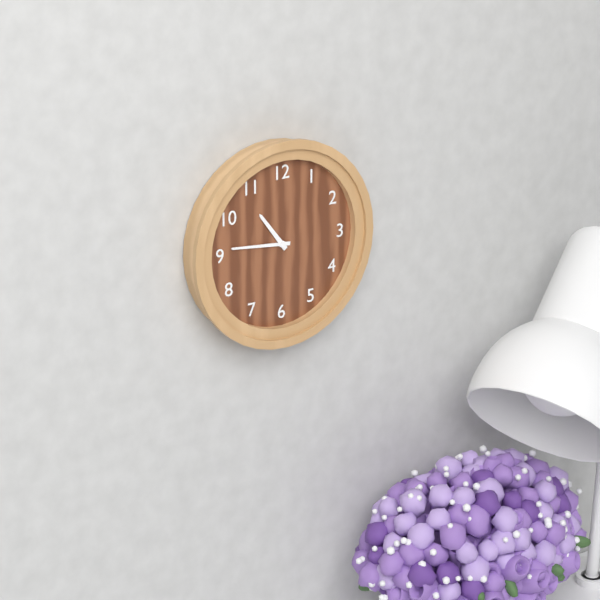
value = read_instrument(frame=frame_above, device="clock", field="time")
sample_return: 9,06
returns 10,46
